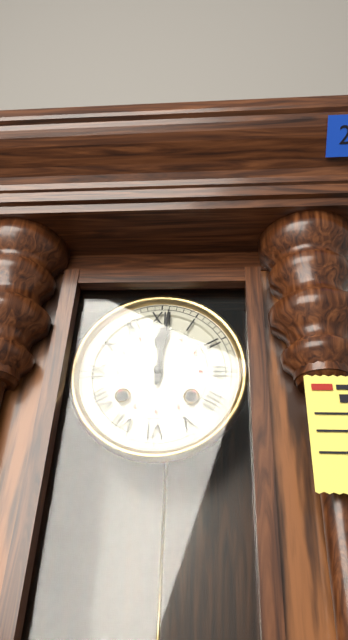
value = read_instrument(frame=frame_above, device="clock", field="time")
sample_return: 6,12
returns 12,01
